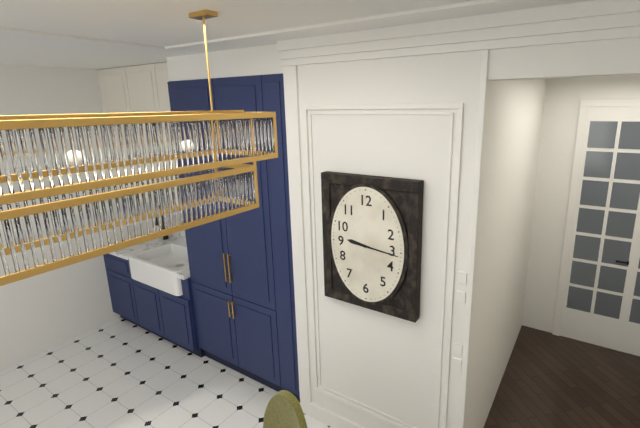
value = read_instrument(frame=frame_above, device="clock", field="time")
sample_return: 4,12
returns 9,16
